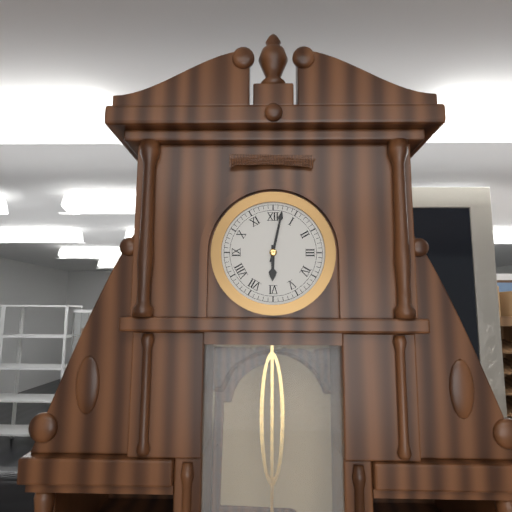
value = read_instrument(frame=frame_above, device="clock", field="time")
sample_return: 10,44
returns 6,02
